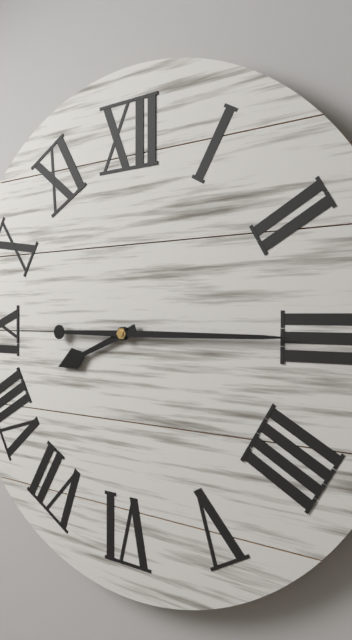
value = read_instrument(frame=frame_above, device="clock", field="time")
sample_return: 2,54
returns 8,15
